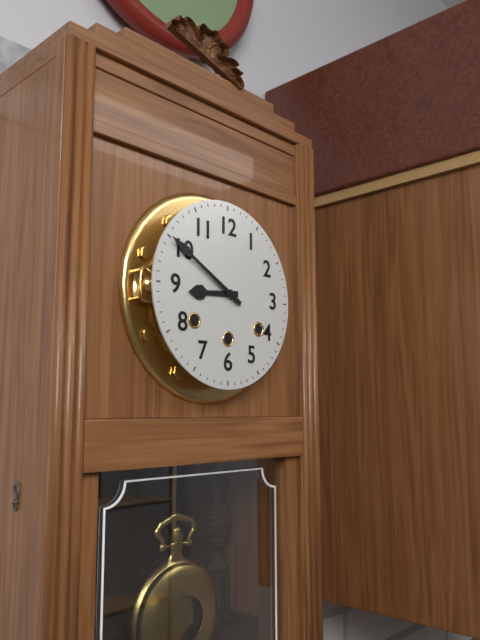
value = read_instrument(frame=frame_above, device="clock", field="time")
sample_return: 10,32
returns 8,50
